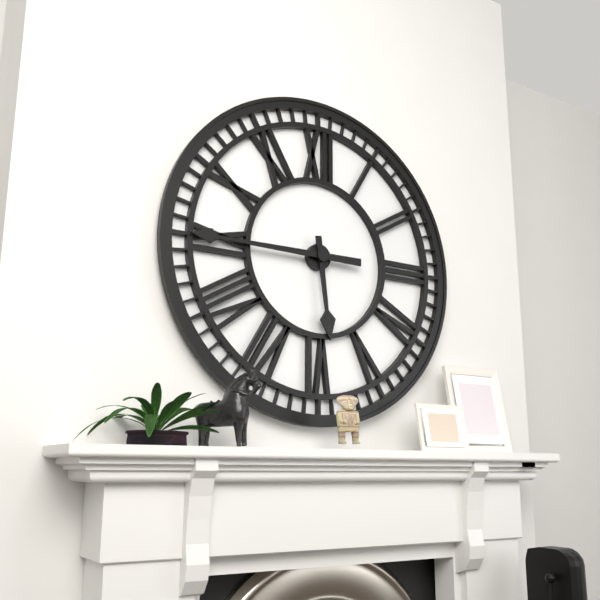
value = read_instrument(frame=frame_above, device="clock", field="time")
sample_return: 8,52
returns 5,45
